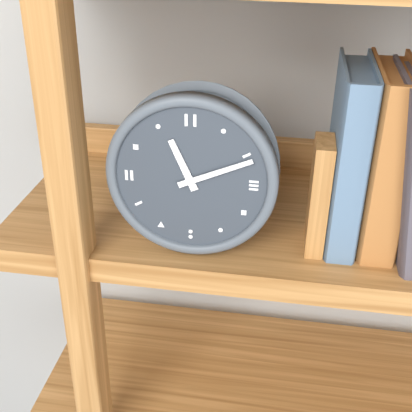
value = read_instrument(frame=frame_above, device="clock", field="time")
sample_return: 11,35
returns 11,11
